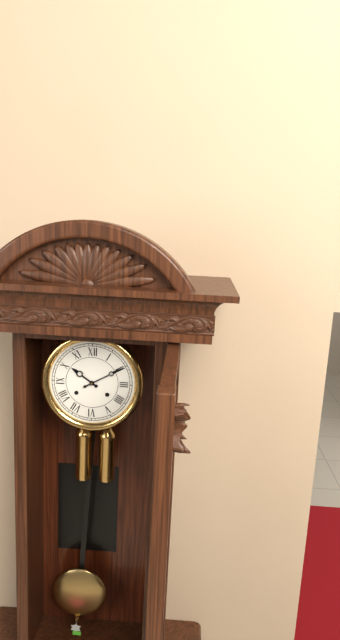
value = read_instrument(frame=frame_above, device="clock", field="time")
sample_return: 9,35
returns 10,10
